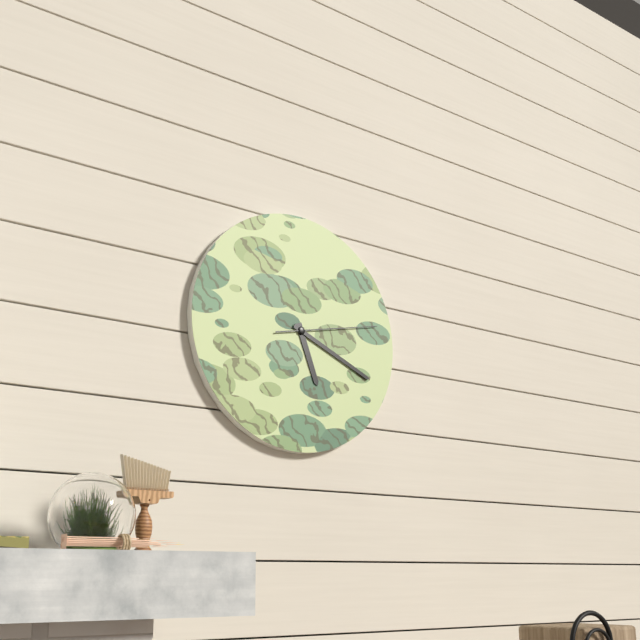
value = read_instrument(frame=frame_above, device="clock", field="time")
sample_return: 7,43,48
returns 5,19,13
